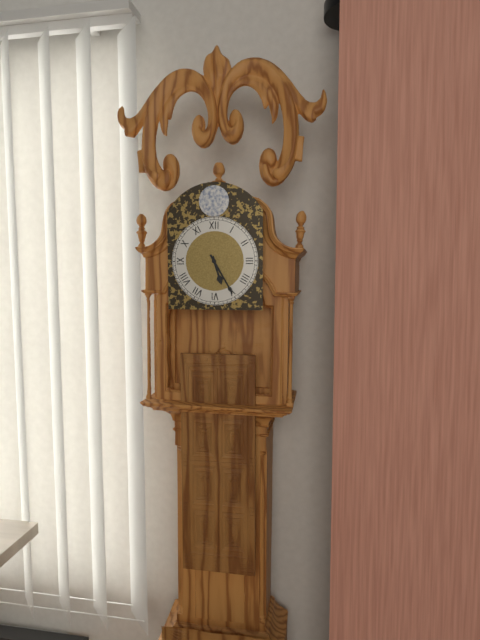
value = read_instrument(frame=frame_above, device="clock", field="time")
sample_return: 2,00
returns 5,25
